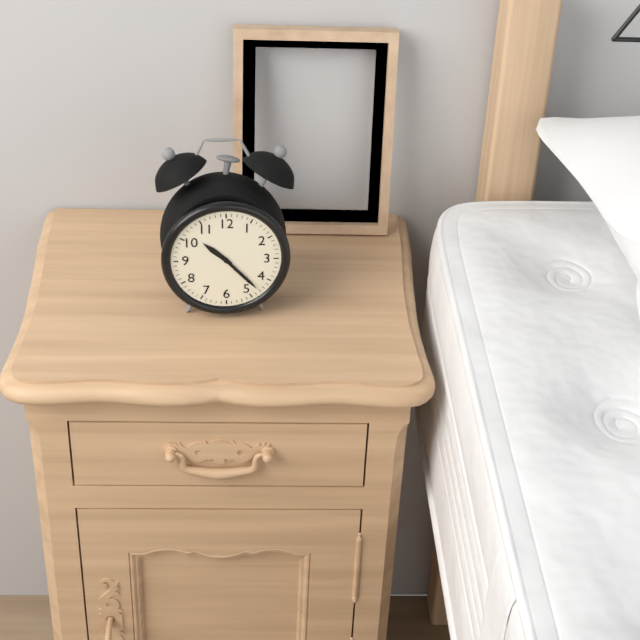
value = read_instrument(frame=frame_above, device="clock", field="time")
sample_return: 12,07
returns 10,23
